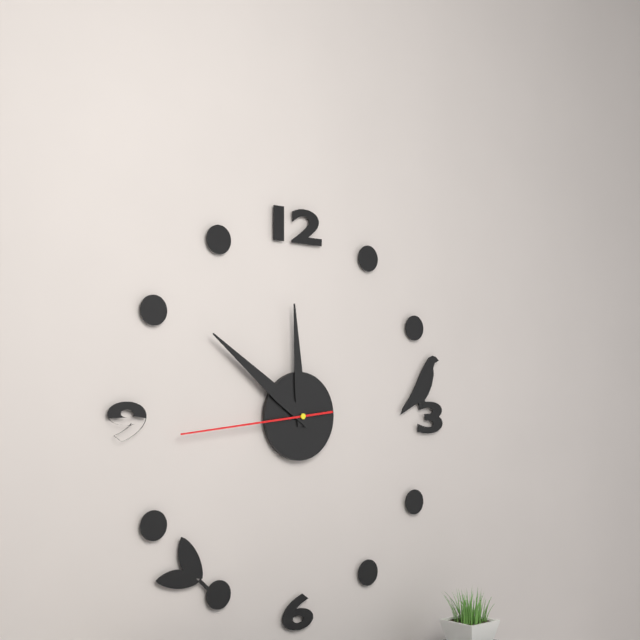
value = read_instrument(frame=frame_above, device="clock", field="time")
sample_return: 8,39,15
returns 11,51,44
